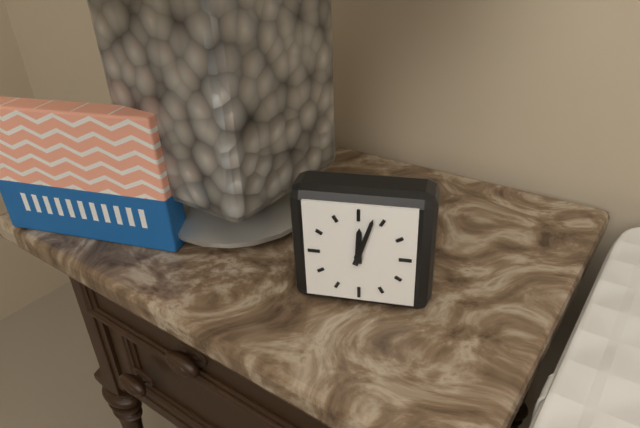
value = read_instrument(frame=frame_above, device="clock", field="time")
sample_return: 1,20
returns 12,03
